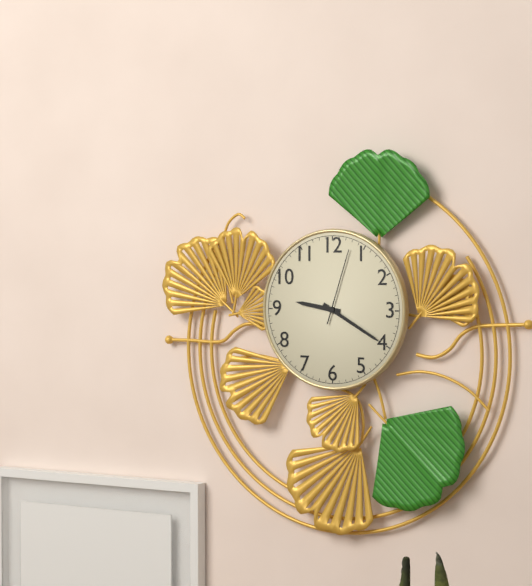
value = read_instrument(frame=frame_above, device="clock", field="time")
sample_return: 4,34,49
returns 9,20,03
